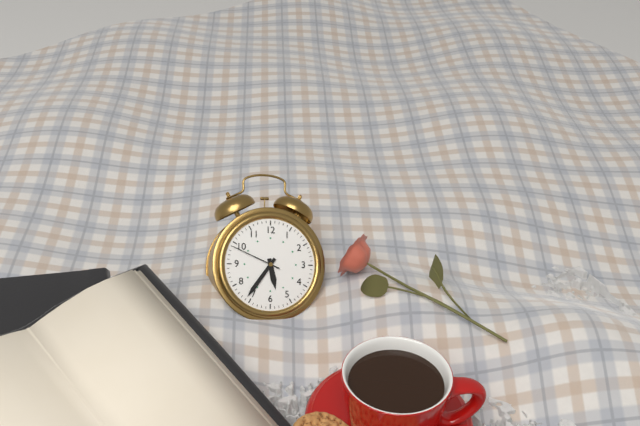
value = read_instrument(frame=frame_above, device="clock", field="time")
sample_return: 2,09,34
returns 5,36,49
